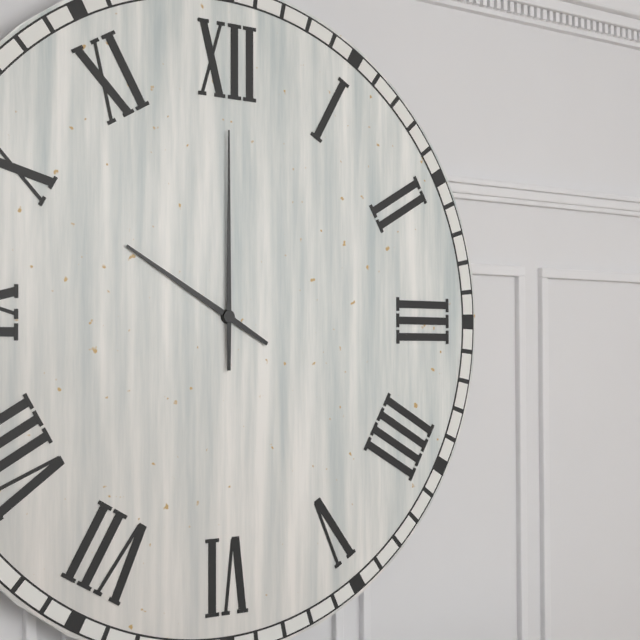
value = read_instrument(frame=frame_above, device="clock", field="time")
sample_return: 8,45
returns 10,00
